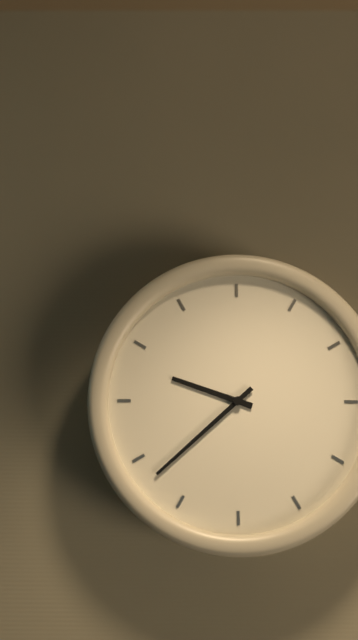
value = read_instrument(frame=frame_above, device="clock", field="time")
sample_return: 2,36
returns 9,38
